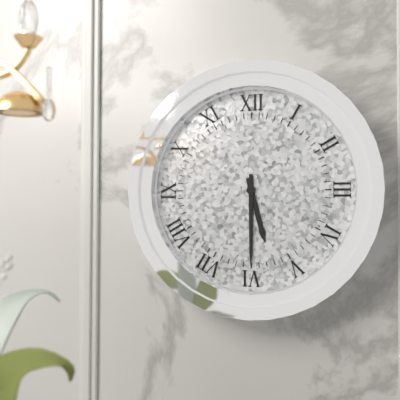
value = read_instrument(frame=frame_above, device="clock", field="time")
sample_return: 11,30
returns 5,30
